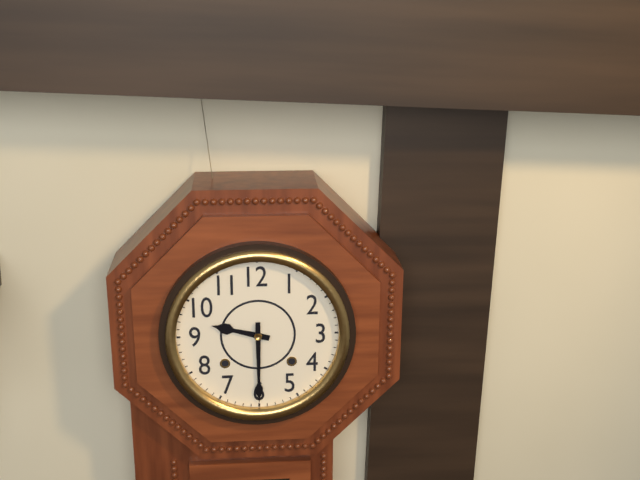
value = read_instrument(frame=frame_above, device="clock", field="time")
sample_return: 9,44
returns 9,30
